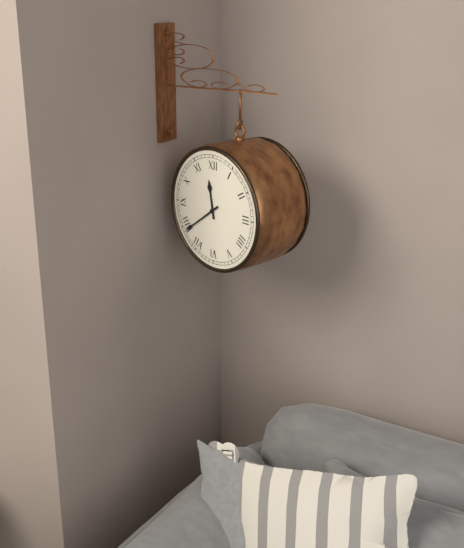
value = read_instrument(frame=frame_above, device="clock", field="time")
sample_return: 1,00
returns 11,39
